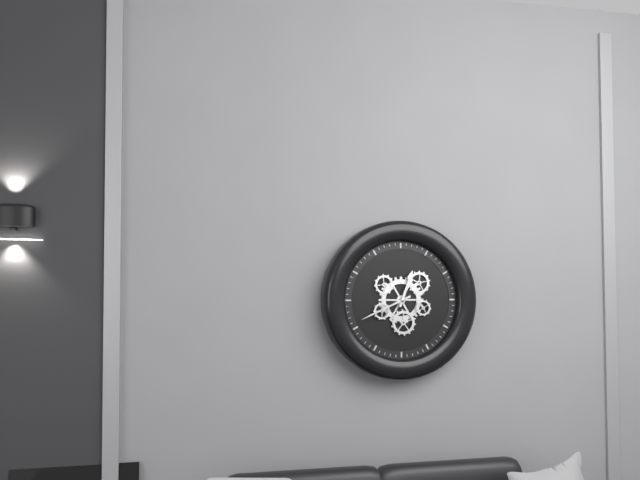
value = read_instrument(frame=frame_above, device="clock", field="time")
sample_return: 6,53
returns 12,41
